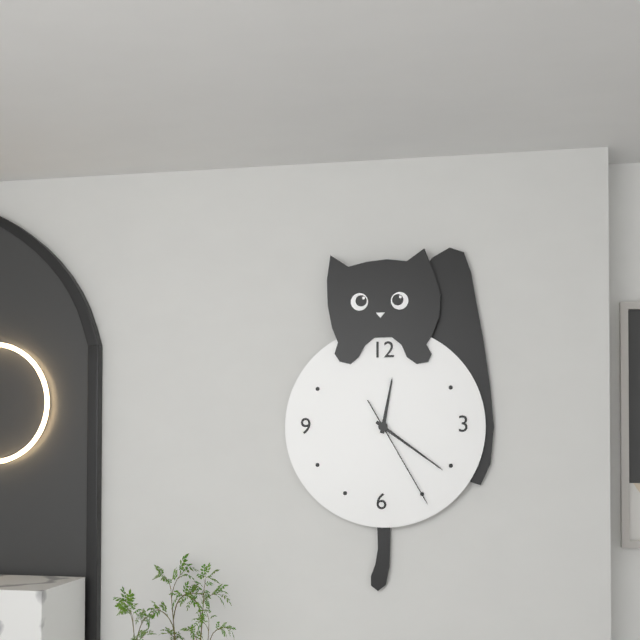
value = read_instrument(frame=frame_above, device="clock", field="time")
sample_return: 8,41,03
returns 12,21,25
